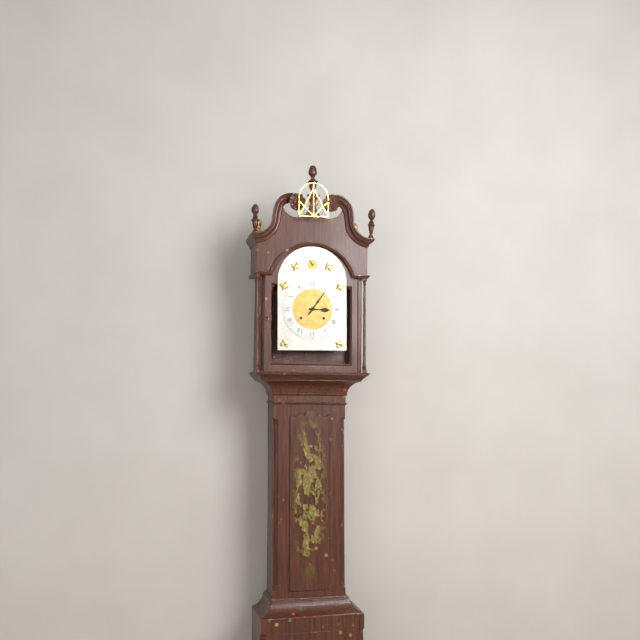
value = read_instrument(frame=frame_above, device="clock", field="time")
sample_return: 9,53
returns 3,06
